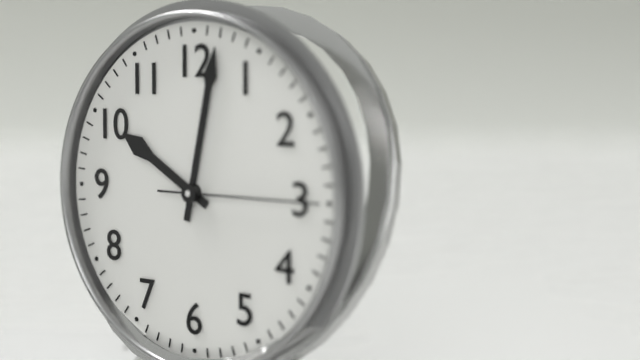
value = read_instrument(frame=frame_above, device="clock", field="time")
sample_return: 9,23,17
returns 10,02,15
